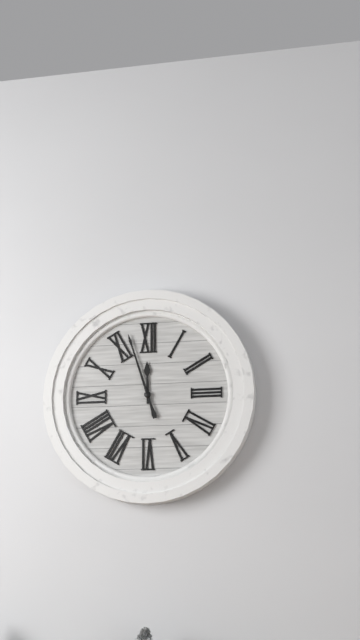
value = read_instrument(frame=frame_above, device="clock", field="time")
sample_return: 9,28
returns 11,57
